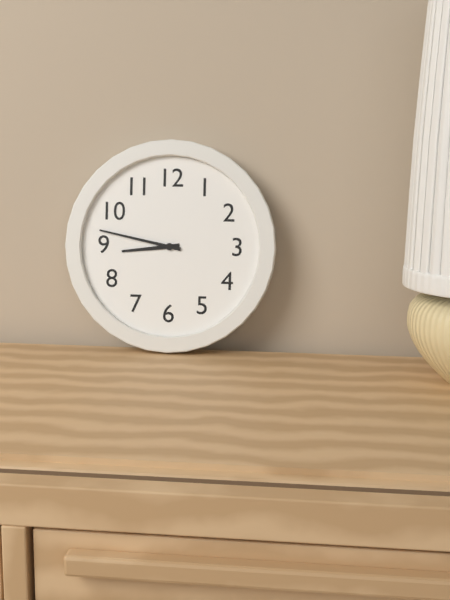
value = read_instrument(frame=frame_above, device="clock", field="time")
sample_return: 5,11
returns 8,47
